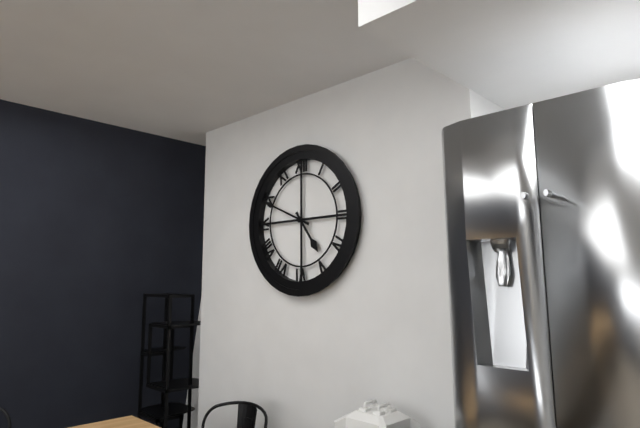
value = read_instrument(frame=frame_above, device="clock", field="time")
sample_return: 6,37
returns 4,49
